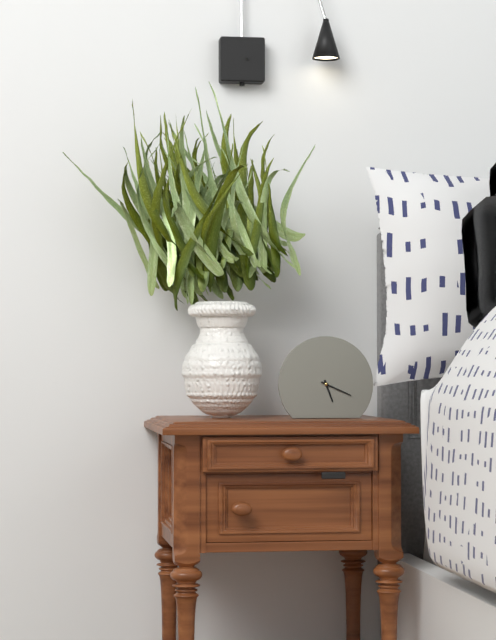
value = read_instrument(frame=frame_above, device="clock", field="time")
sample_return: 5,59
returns 5,19
